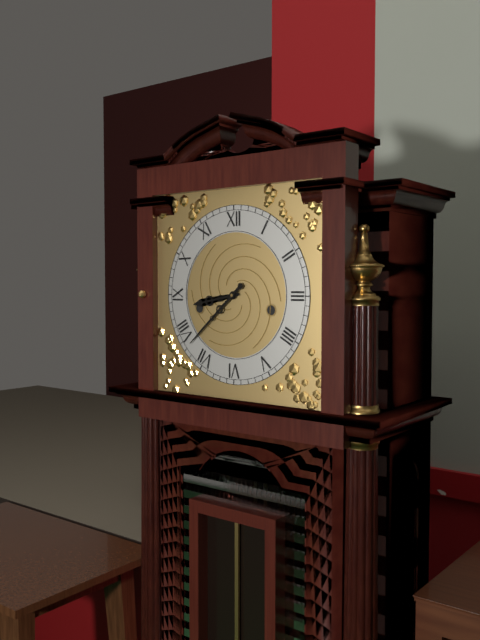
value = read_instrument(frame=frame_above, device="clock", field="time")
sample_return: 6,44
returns 8,38
